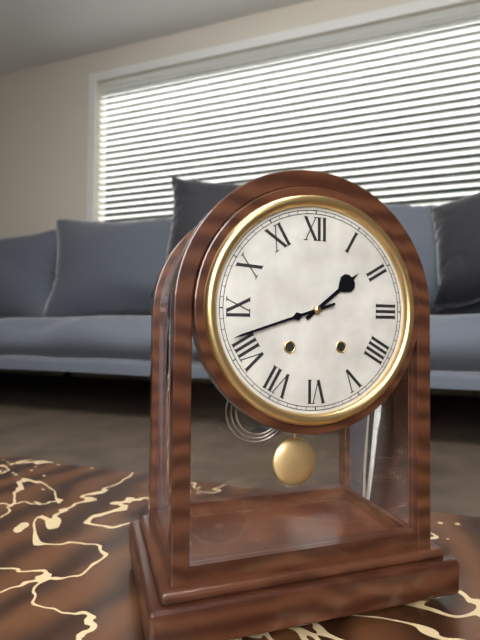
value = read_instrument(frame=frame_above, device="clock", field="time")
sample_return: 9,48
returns 1,42
